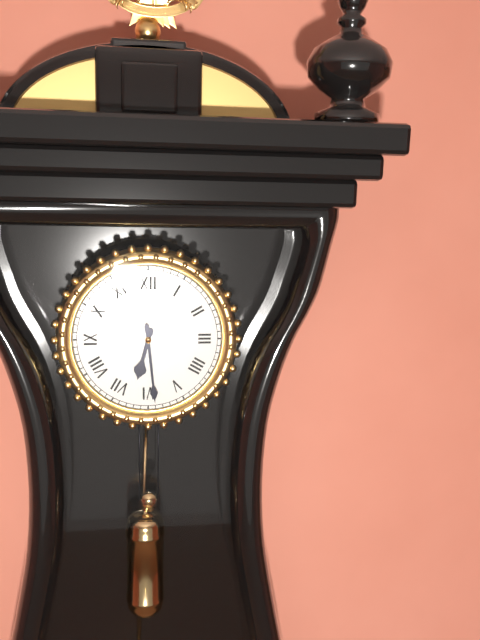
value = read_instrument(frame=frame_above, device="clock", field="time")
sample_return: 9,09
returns 6,29
